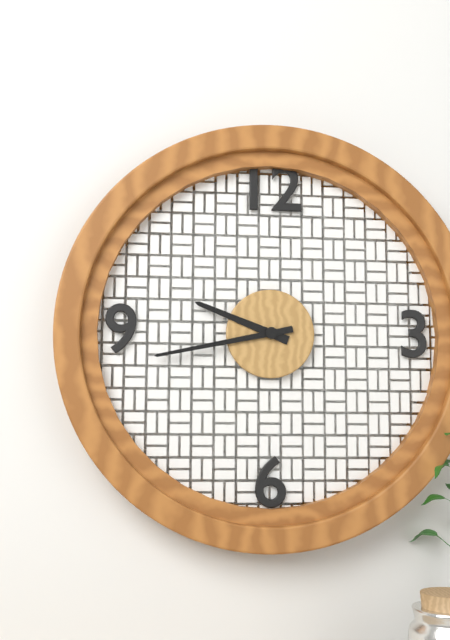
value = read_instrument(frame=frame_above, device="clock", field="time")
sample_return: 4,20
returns 9,43
